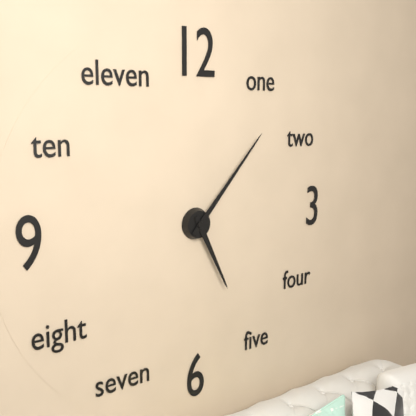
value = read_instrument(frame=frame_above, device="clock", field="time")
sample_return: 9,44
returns 5,07
